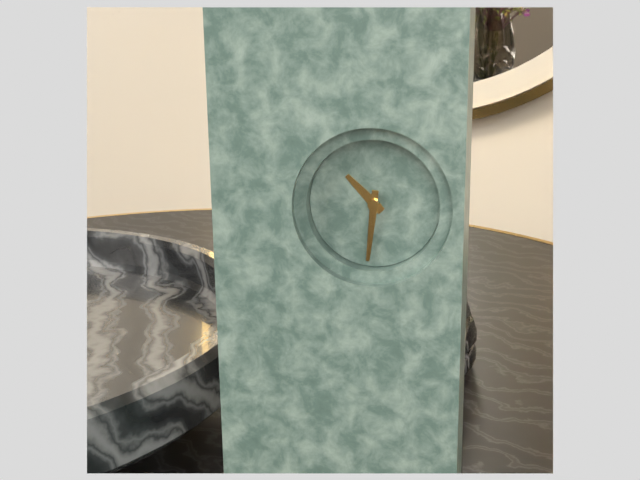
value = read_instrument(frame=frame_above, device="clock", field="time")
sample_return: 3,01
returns 10,31
